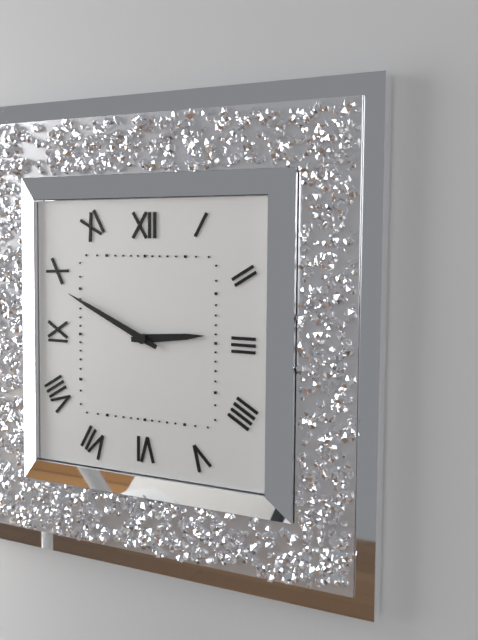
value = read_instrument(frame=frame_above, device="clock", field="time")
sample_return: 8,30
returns 2,49
